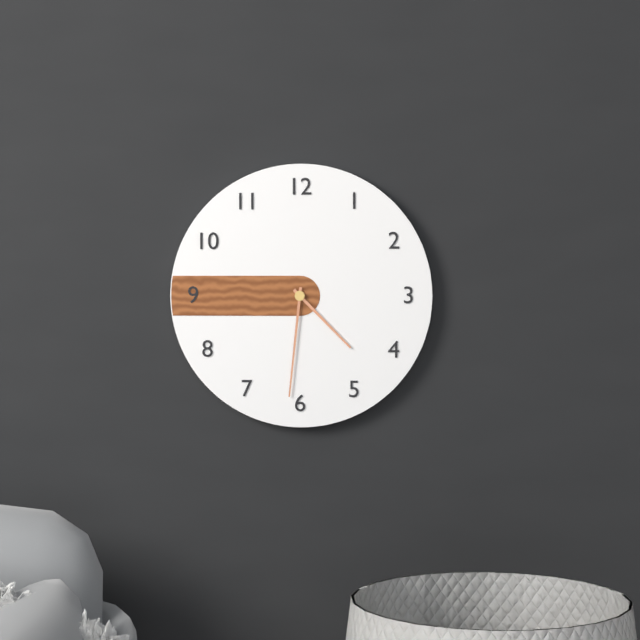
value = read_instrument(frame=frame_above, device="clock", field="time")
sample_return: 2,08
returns 4,31
